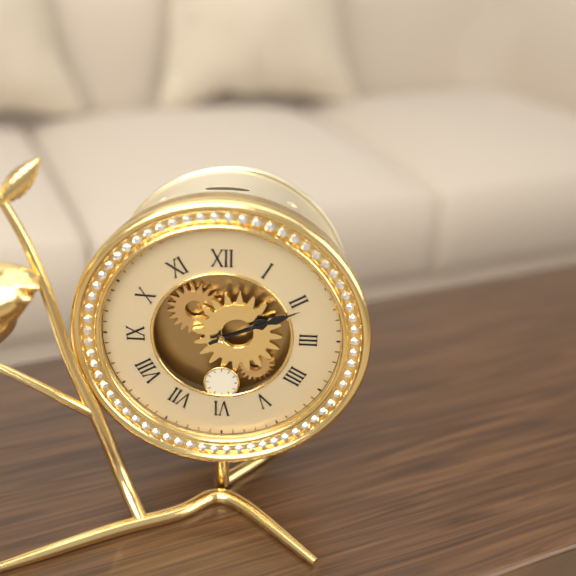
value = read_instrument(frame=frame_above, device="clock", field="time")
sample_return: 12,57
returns 2,11
